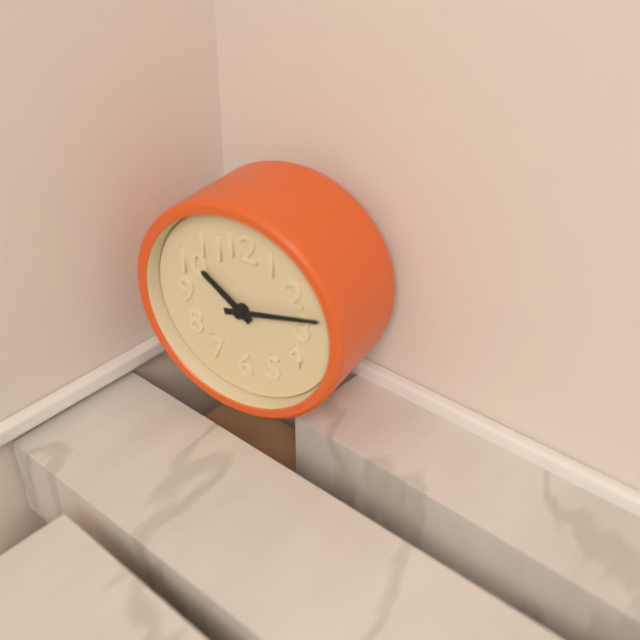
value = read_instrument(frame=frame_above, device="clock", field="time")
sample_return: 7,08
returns 10,13
